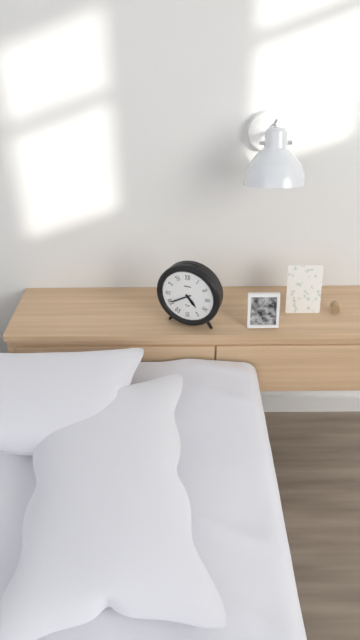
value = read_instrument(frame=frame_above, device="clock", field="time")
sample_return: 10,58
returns 4,40
